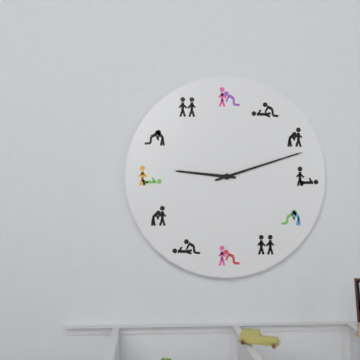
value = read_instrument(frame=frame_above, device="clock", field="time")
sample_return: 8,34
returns 9,12
